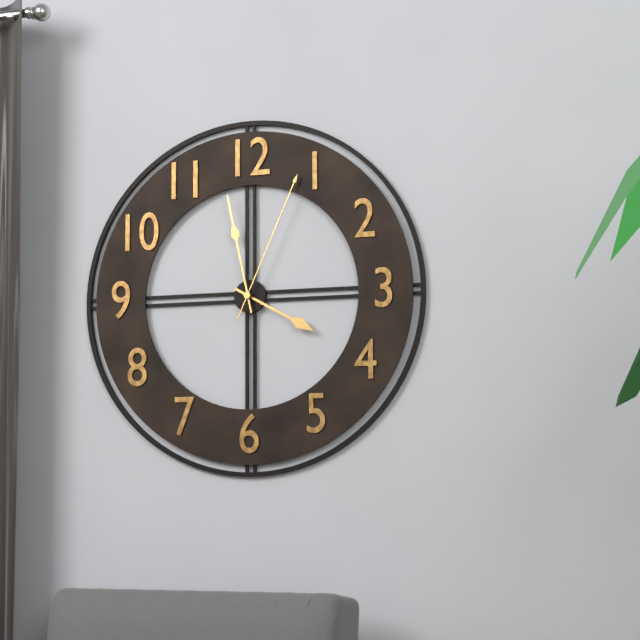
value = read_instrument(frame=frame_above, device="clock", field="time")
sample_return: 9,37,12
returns 3,58,04
